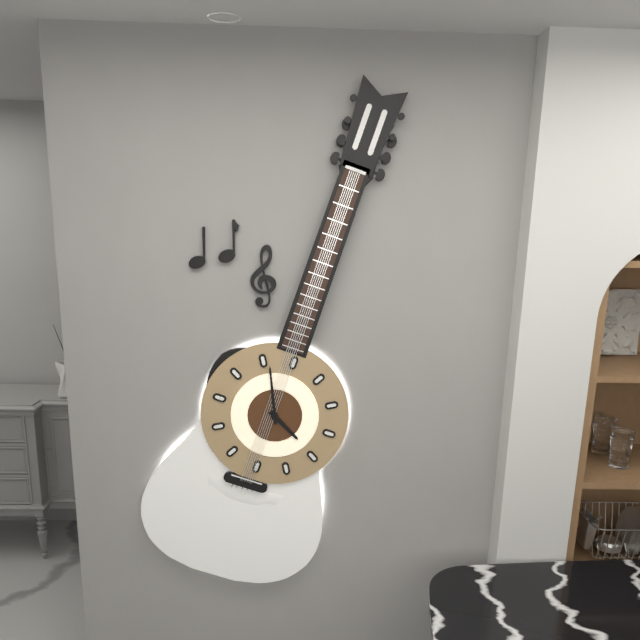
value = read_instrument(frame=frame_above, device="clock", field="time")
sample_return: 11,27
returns 3,56
